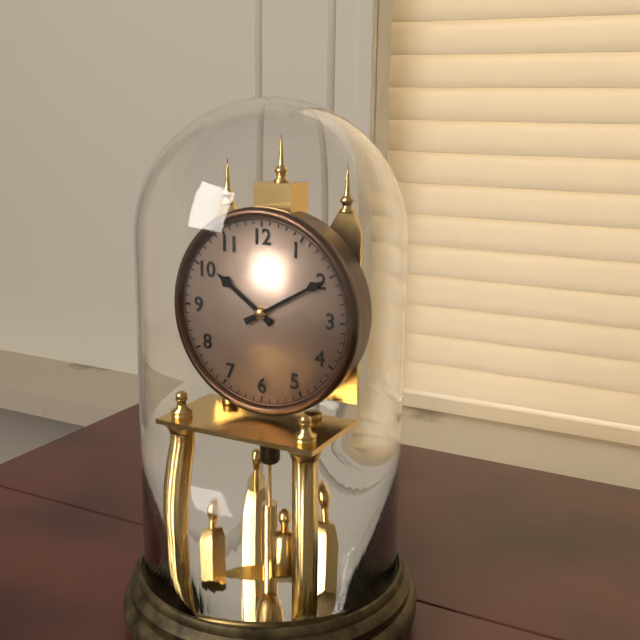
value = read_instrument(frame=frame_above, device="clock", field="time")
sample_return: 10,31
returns 10,10
